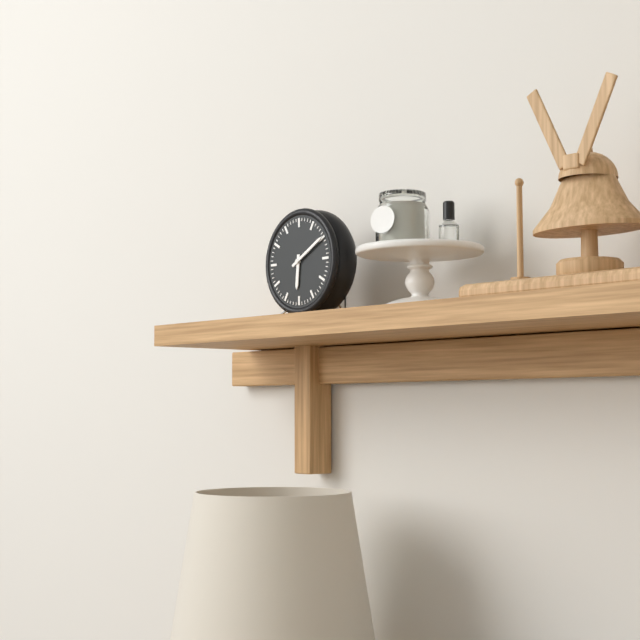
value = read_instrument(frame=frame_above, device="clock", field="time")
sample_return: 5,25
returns 6,10
